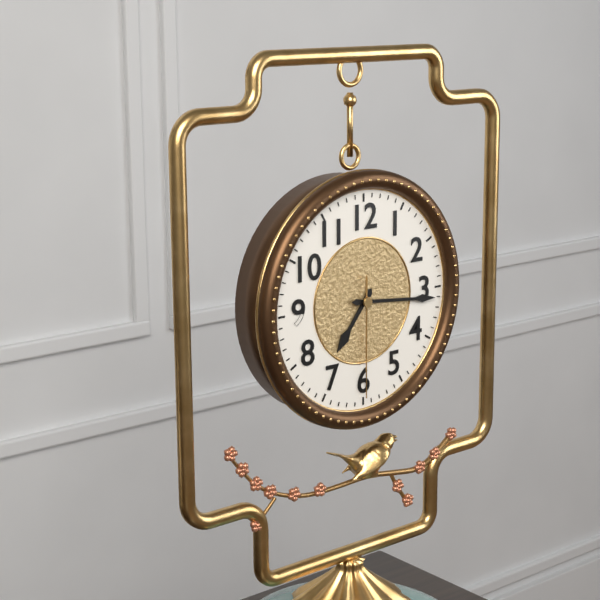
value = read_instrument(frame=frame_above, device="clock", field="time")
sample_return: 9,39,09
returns 7,16,30
